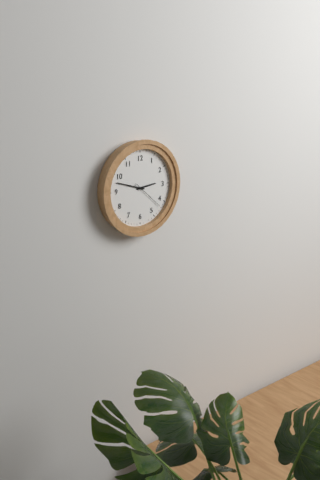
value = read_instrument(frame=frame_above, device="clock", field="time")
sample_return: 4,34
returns 2,48
